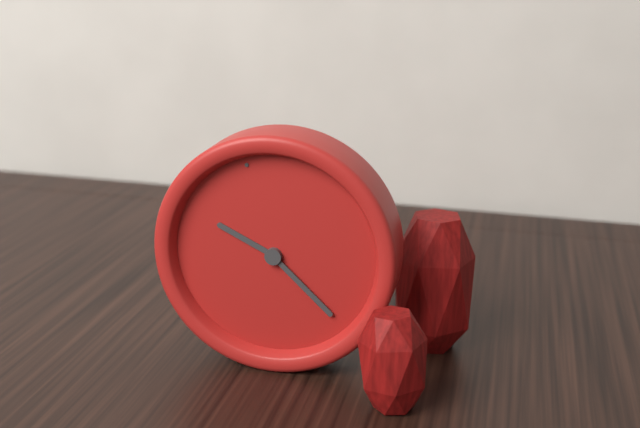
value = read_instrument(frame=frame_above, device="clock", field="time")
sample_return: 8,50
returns 10,25
